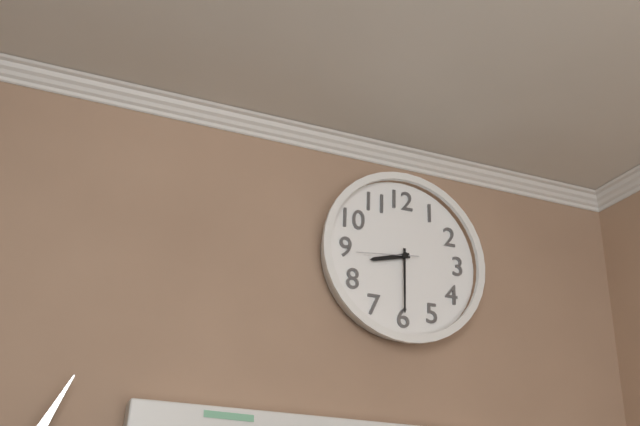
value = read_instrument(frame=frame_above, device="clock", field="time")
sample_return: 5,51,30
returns 8,30,44
